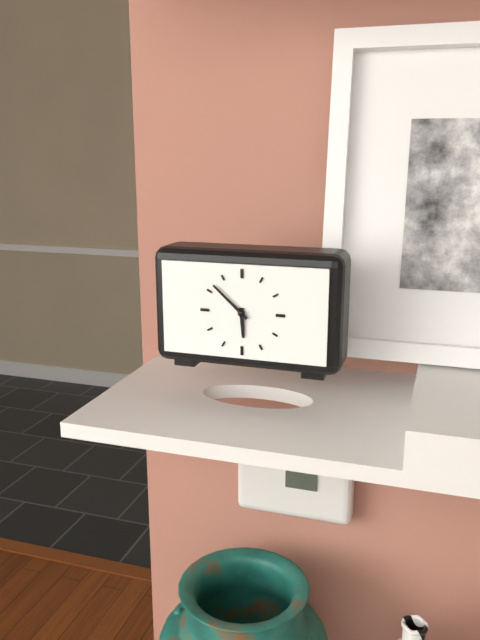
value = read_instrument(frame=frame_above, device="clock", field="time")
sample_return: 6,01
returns 5,52
